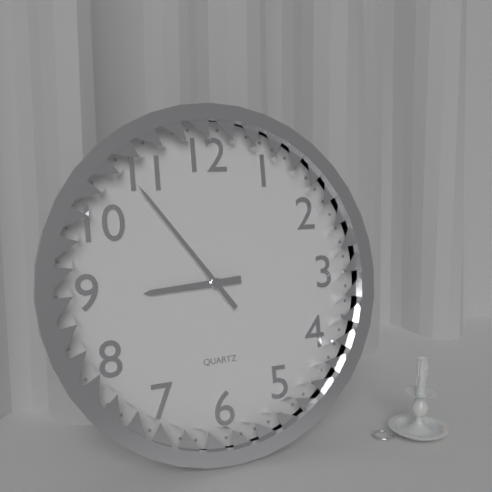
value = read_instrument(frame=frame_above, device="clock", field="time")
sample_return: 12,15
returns 8,54
